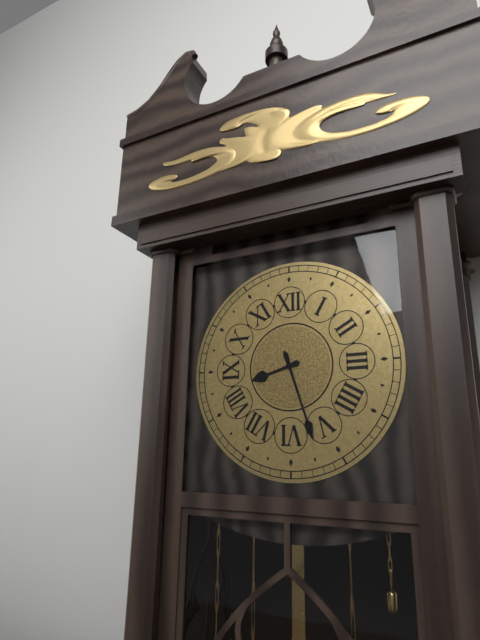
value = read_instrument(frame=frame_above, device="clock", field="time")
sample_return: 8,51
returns 8,27
